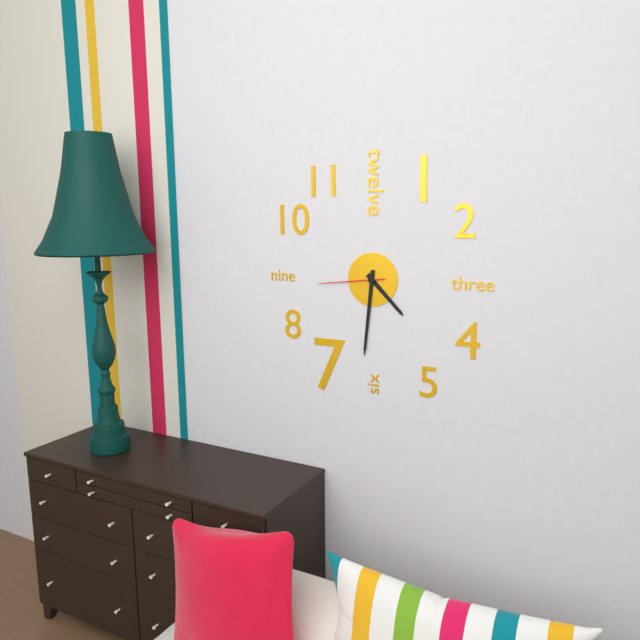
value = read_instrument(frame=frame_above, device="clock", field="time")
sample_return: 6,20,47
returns 4,31,44
